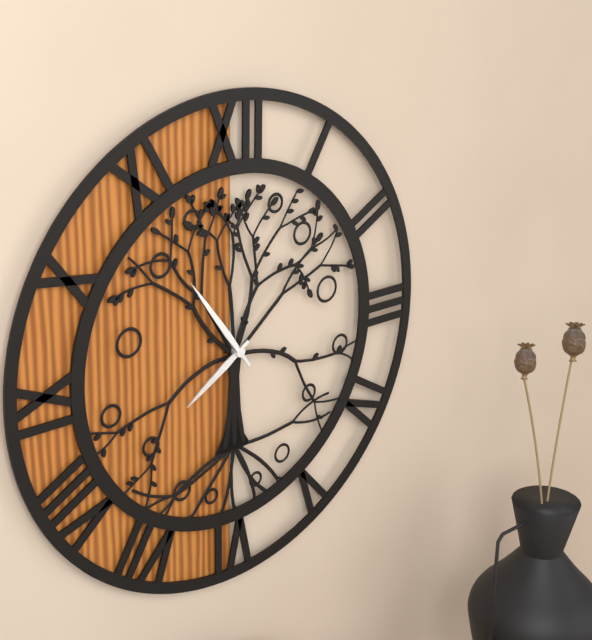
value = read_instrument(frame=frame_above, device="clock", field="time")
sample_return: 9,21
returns 7,54
